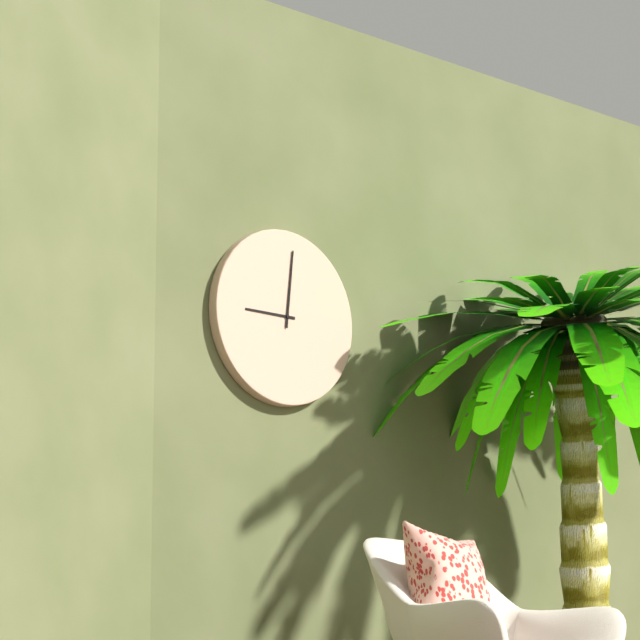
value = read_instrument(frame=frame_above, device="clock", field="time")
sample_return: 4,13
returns 9,01
